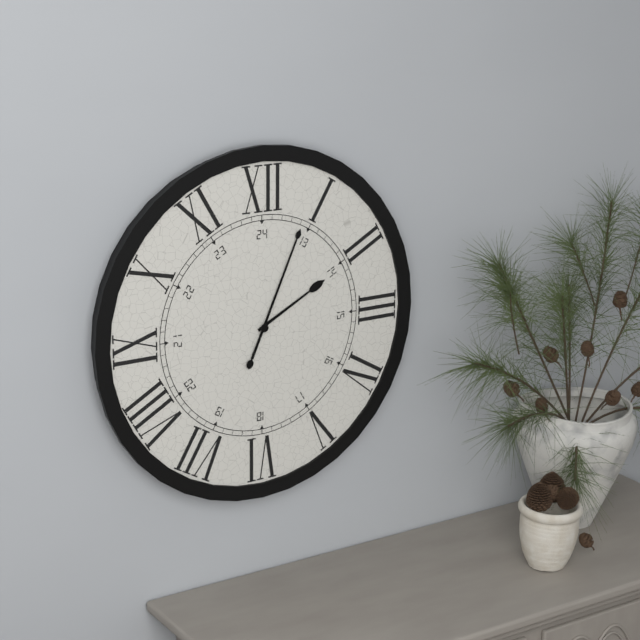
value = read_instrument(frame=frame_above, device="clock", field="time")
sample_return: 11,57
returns 2,04
